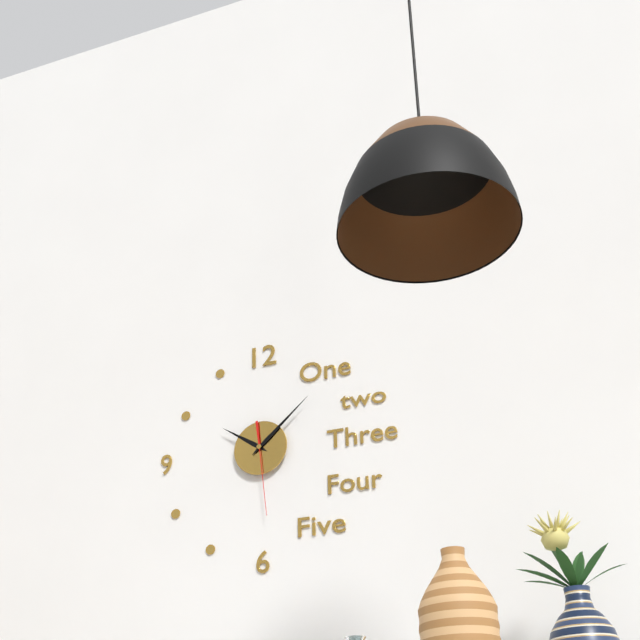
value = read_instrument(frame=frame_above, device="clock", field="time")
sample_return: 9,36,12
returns 10,08,29
